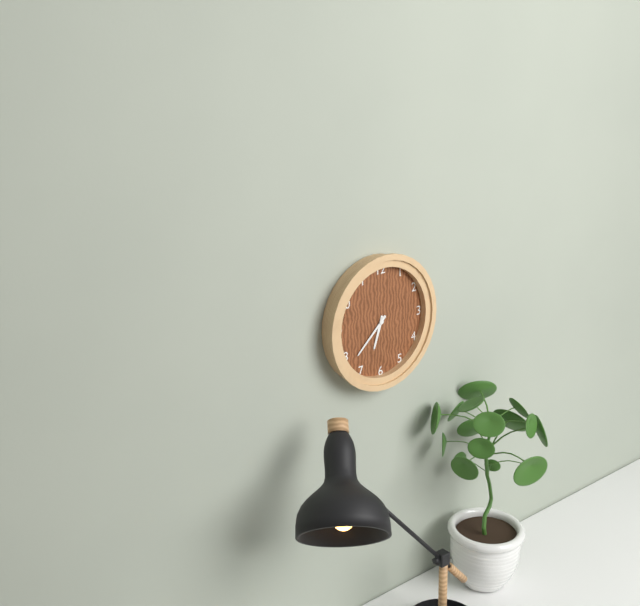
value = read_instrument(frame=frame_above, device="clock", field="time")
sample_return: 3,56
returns 6,38
